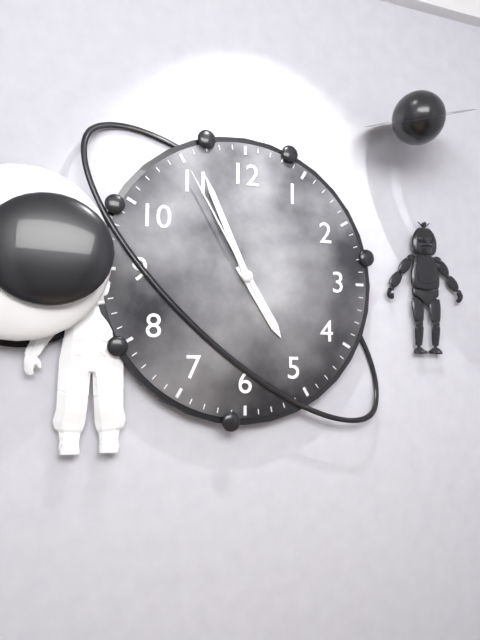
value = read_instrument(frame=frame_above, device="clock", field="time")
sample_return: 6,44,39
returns 4,56,55
